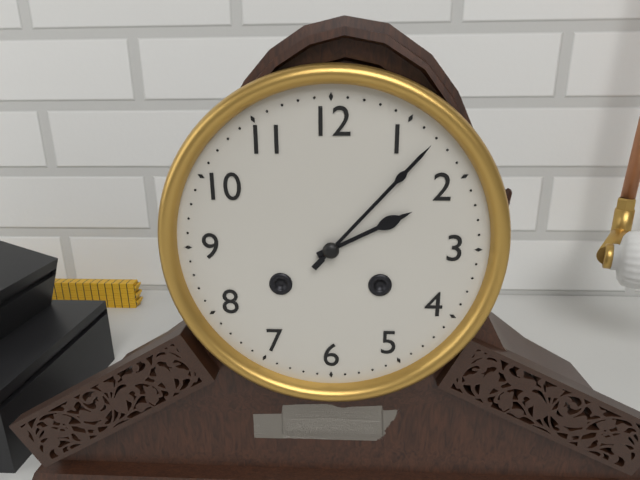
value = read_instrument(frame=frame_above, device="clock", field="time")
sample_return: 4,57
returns 2,07
